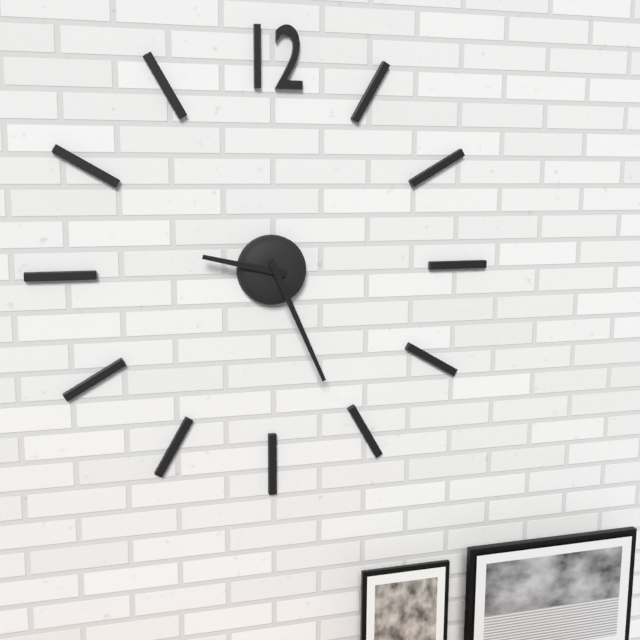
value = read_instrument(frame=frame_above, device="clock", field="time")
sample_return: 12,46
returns 9,26
